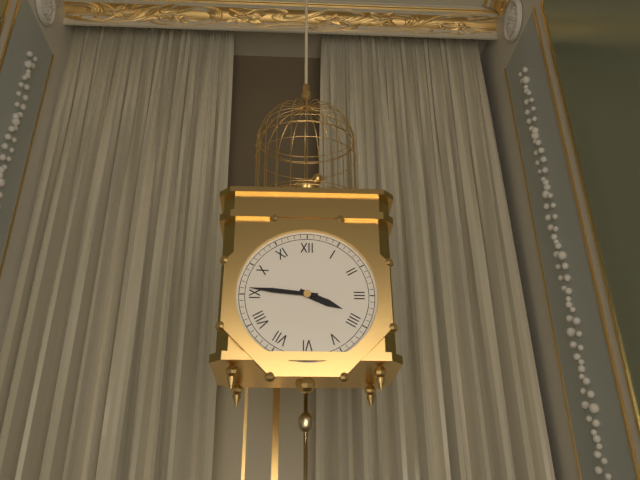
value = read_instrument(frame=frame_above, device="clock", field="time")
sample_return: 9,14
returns 3,46
